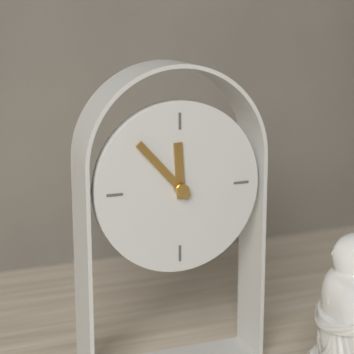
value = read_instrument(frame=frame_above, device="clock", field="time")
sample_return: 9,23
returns 11,53
